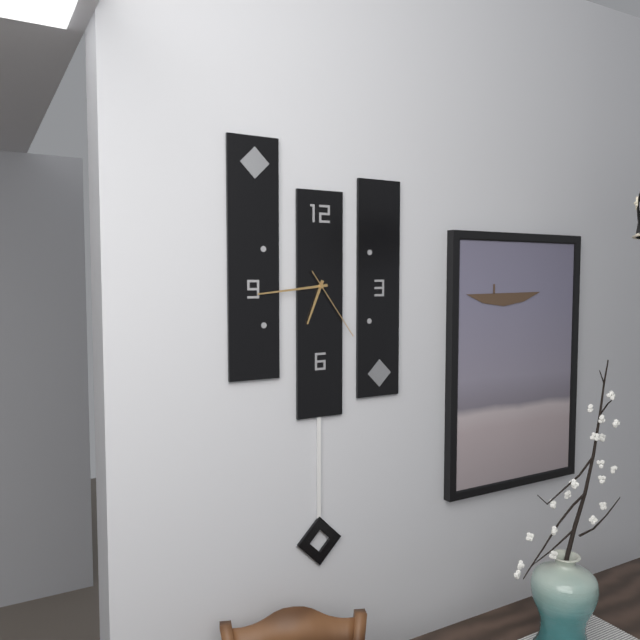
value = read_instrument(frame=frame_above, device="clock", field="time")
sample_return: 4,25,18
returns 6,44,24
